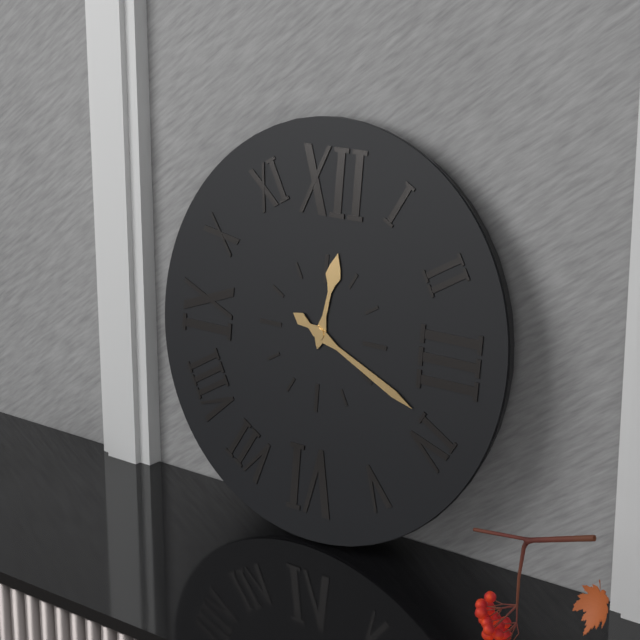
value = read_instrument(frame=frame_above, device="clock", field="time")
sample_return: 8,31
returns 12,19
